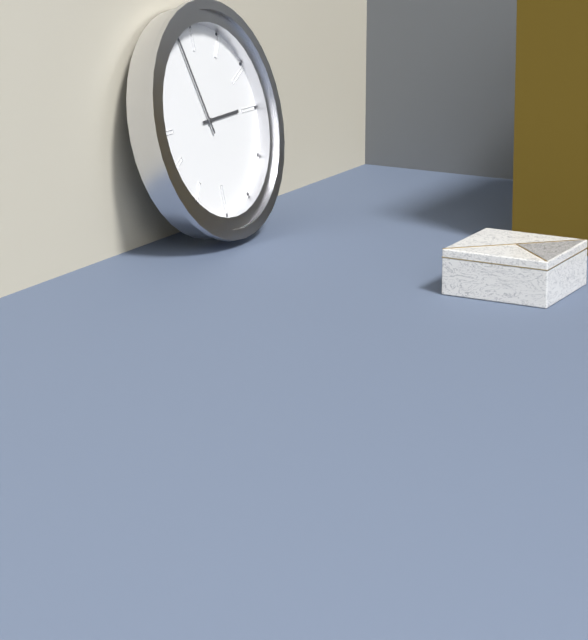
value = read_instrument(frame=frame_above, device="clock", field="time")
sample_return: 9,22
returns 2,57
